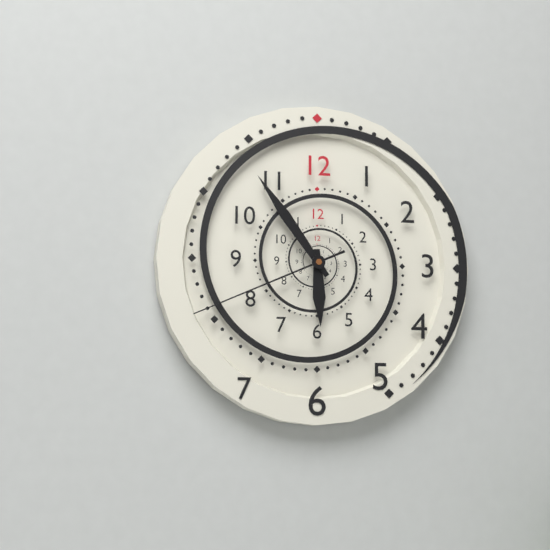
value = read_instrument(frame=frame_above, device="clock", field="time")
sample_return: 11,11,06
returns 5,54,41
